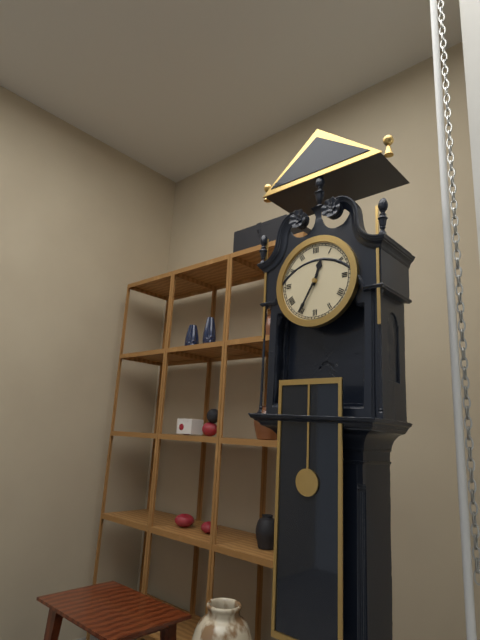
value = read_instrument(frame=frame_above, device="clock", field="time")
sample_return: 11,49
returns 12,35
